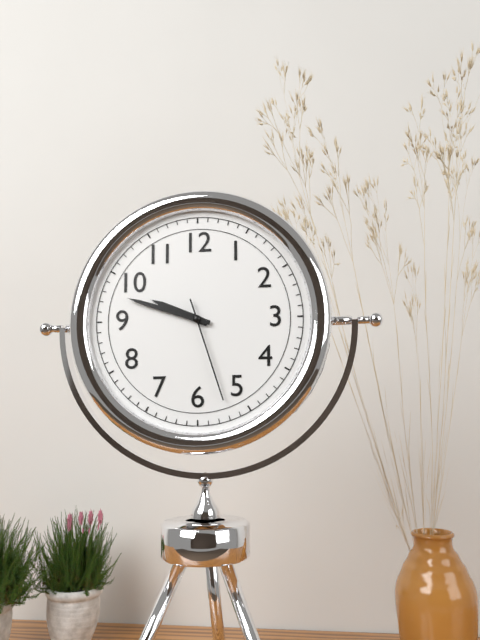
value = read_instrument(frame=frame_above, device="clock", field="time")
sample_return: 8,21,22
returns 9,48,27
